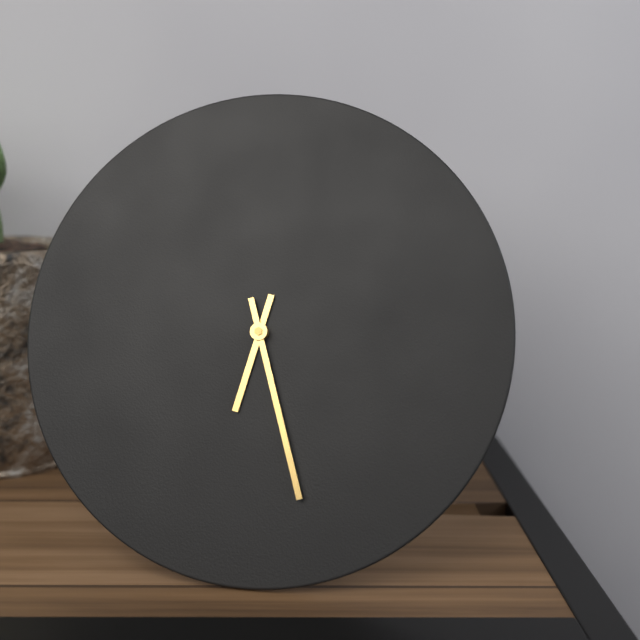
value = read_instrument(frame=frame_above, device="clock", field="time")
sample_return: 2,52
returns 6,27
